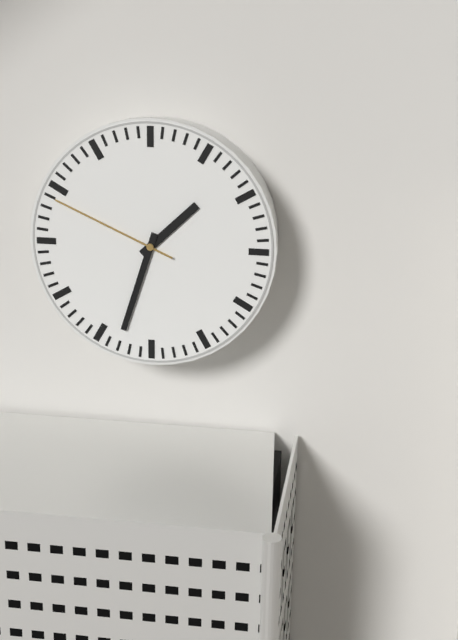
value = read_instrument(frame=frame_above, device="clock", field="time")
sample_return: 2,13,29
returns 1,33,49
